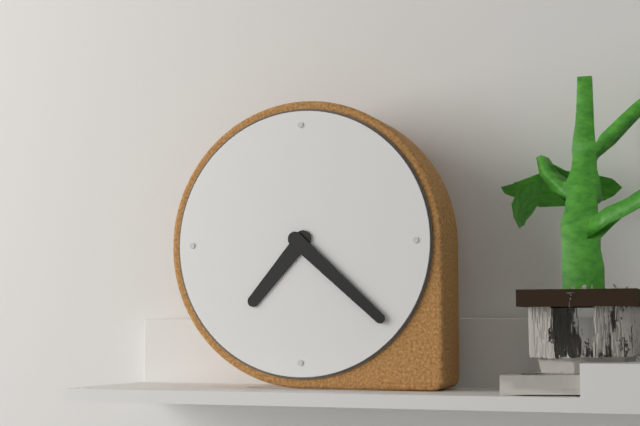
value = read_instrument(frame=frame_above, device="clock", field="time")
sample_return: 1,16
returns 7,22
